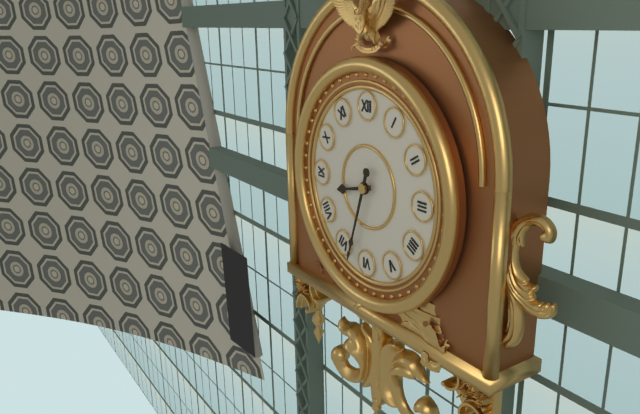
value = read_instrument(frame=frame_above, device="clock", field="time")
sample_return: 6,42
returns 8,33
